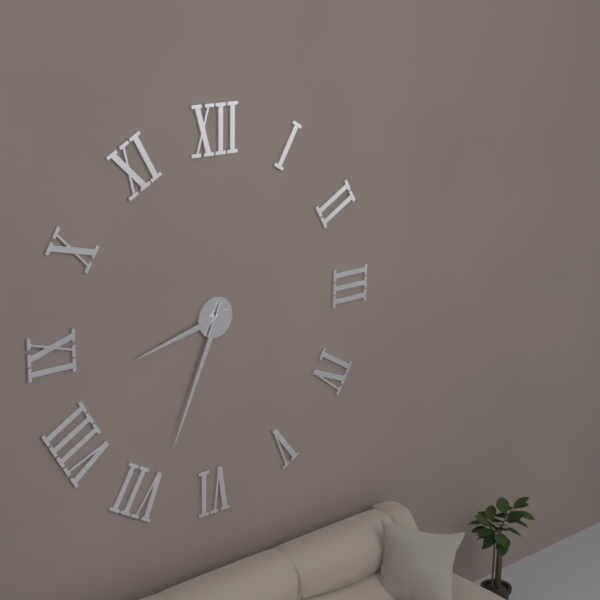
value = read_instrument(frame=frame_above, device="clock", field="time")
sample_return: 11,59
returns 8,34
